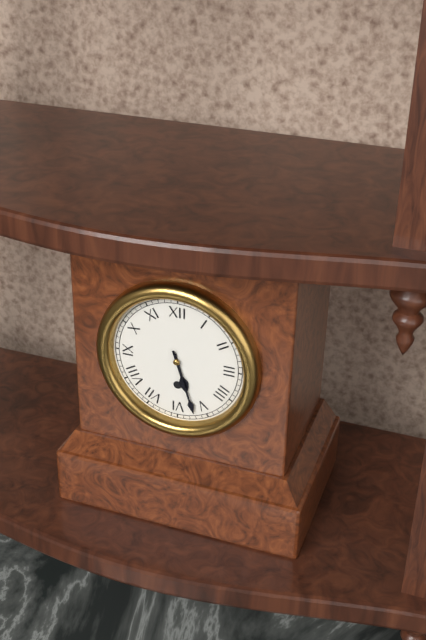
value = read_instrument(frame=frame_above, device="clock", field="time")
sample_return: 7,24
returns 5,27
